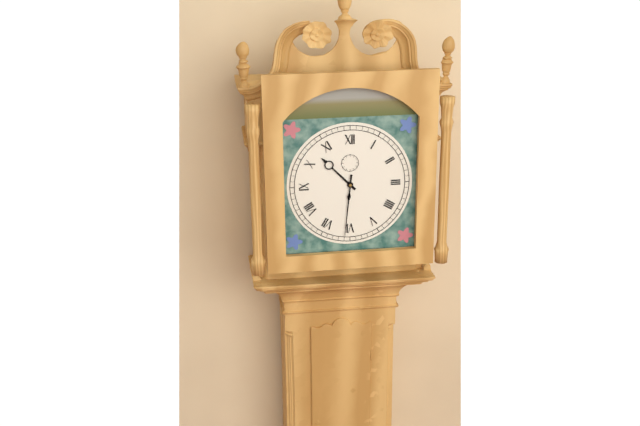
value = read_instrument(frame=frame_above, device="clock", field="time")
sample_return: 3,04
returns 10,31
